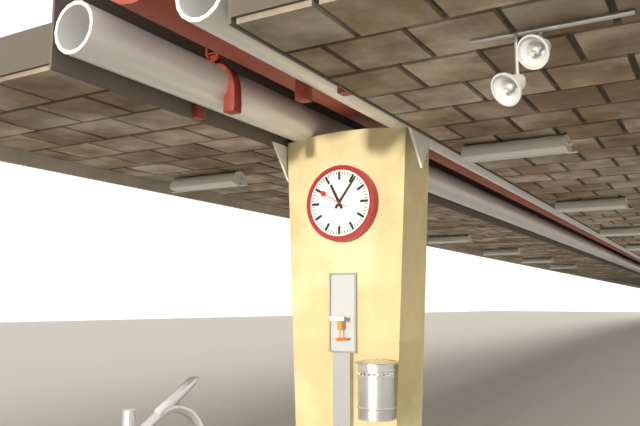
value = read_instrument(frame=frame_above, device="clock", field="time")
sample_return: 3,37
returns 11,06
